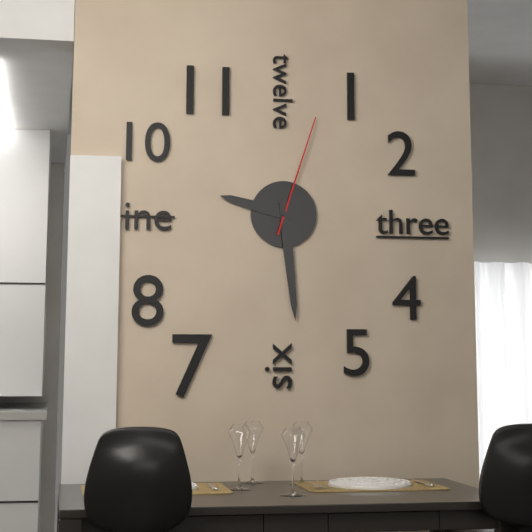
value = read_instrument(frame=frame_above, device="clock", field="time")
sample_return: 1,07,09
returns 9,29,03
